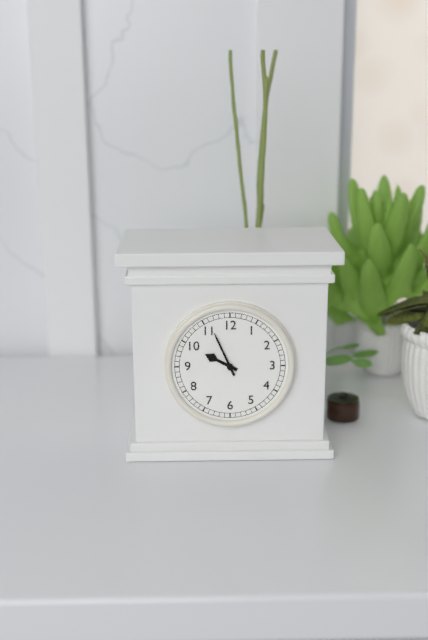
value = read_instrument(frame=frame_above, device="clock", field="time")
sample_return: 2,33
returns 9,56
